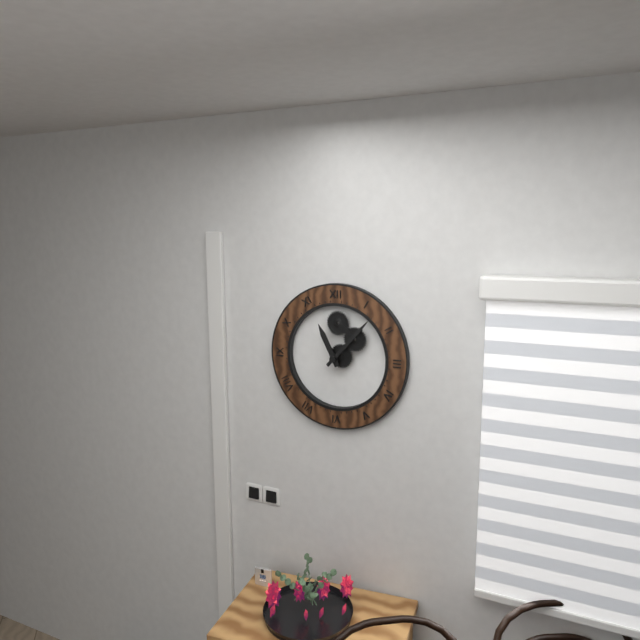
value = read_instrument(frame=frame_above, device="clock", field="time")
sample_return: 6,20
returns 11,07
